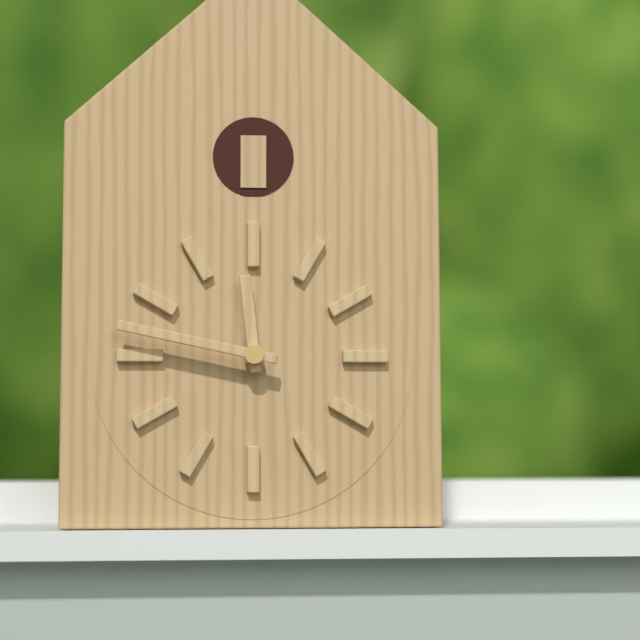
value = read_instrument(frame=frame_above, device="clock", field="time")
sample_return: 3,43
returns 11,47
